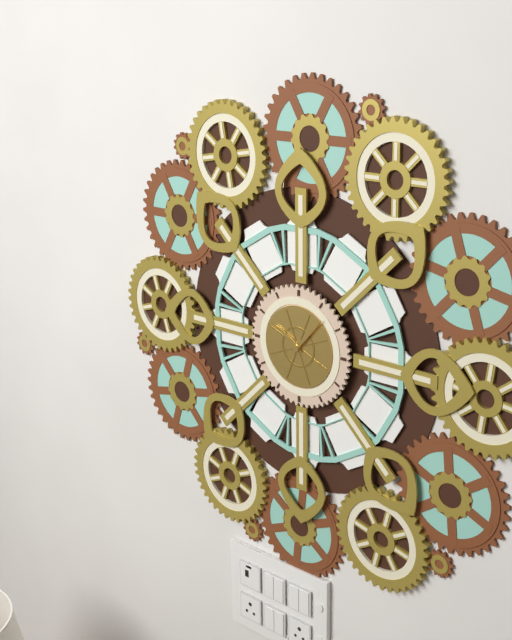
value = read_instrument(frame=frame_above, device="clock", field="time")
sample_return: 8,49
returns 10,07
